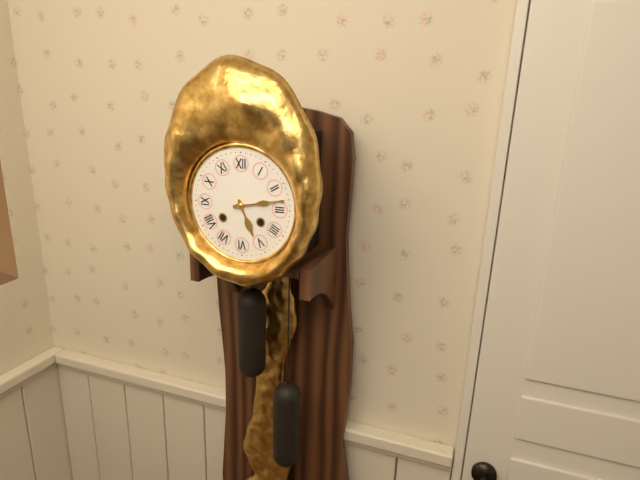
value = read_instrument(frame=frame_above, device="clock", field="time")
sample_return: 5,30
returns 5,13
